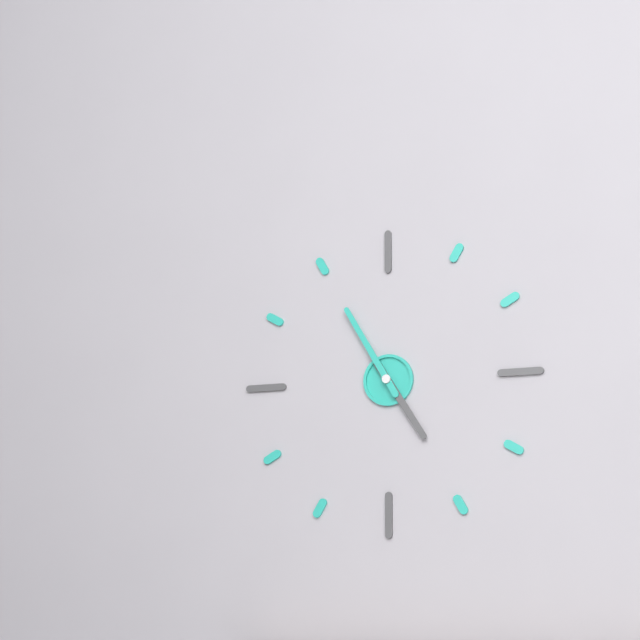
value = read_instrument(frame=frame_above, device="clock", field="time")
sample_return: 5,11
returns 4,55
